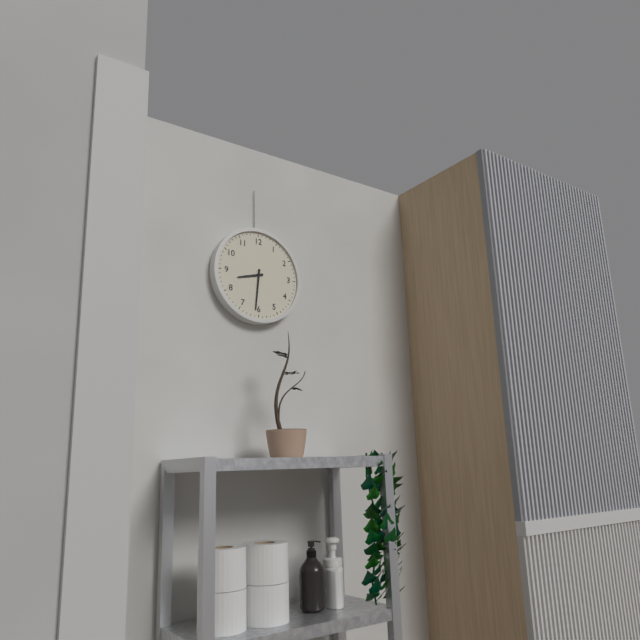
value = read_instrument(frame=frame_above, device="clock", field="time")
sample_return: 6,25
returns 8,31
